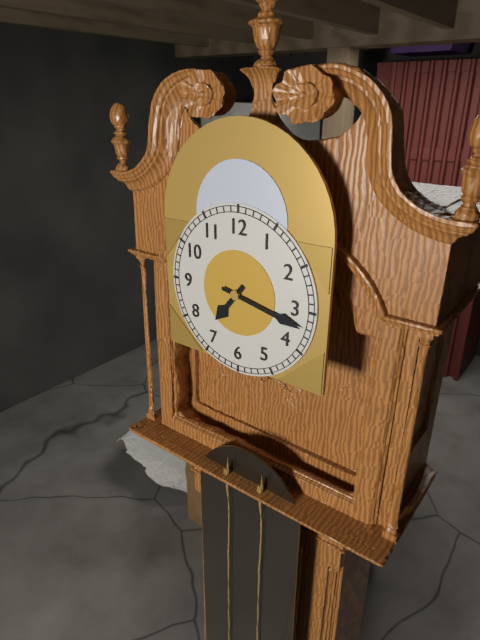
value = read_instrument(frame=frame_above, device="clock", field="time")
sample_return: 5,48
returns 7,17
